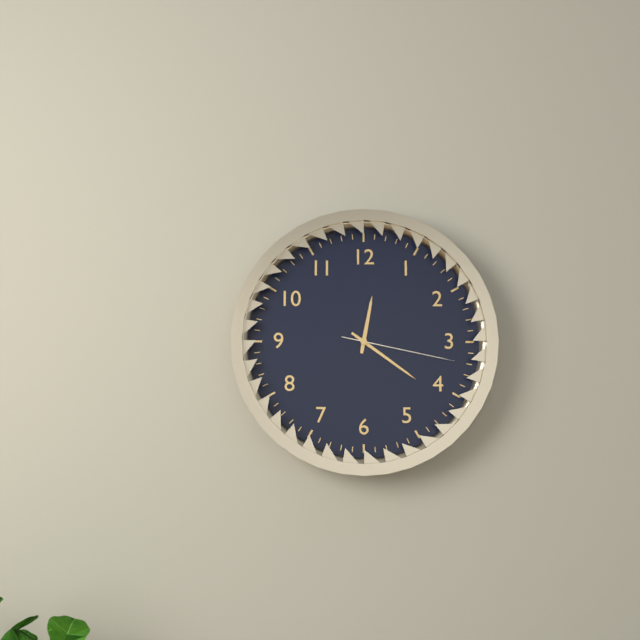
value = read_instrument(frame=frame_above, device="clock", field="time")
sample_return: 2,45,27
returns 12,21,17
